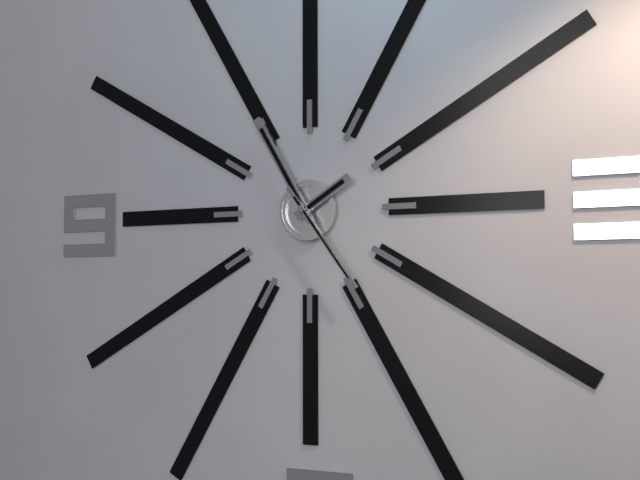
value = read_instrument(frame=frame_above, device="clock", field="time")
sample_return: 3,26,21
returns 1,55,24
